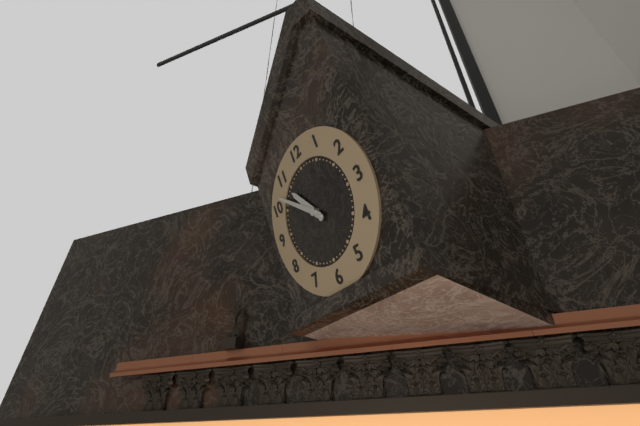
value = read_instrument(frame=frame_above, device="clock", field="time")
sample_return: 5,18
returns 10,52
